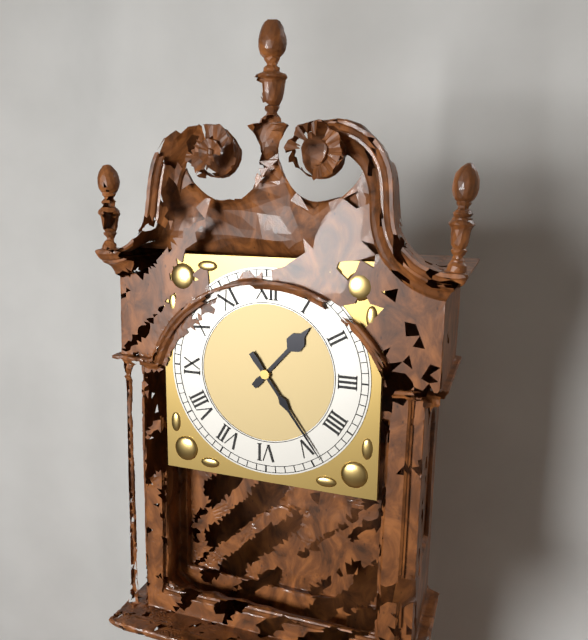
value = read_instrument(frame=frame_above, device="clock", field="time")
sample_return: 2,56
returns 1,24
